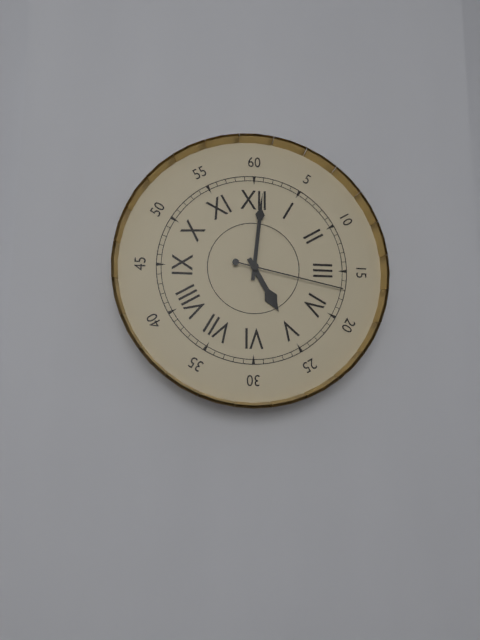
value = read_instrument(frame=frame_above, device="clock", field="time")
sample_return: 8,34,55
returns 5,01,17
